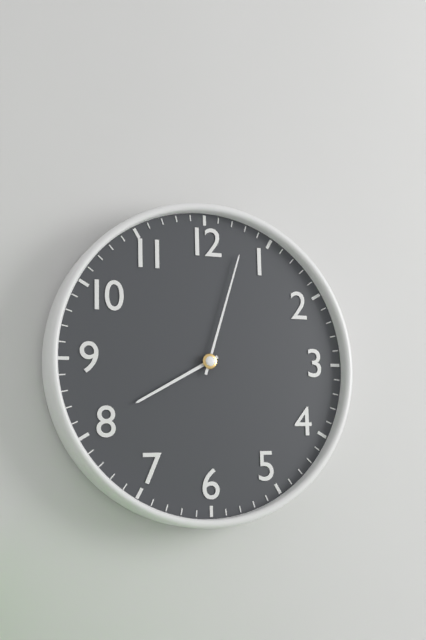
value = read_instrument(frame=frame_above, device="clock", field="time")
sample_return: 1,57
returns 8,03
